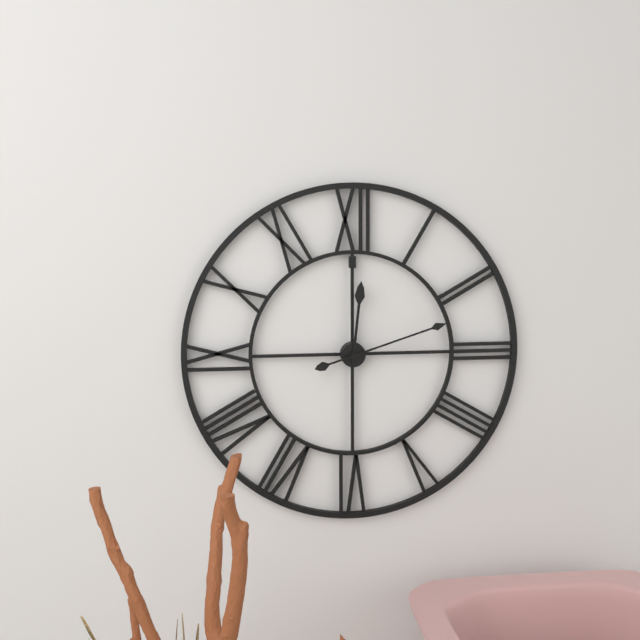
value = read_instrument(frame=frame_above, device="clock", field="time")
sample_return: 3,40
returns 12,12
